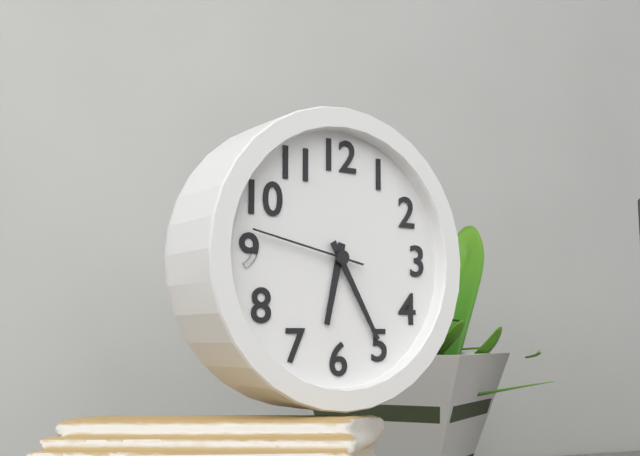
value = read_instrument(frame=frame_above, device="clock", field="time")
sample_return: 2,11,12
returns 6,25,47
